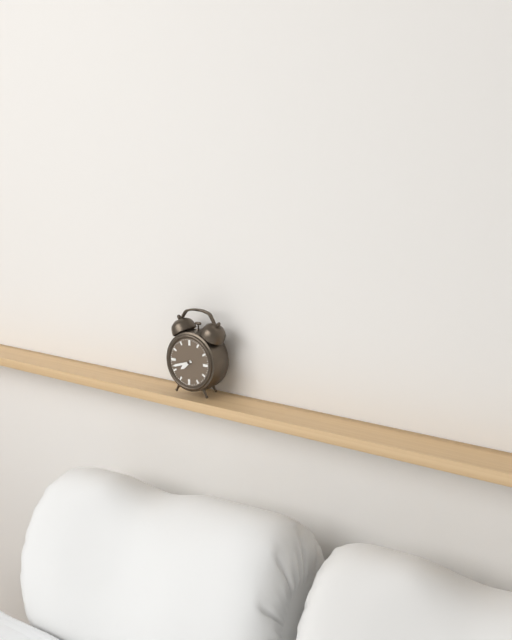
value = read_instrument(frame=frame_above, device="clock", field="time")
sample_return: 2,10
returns 7,42
